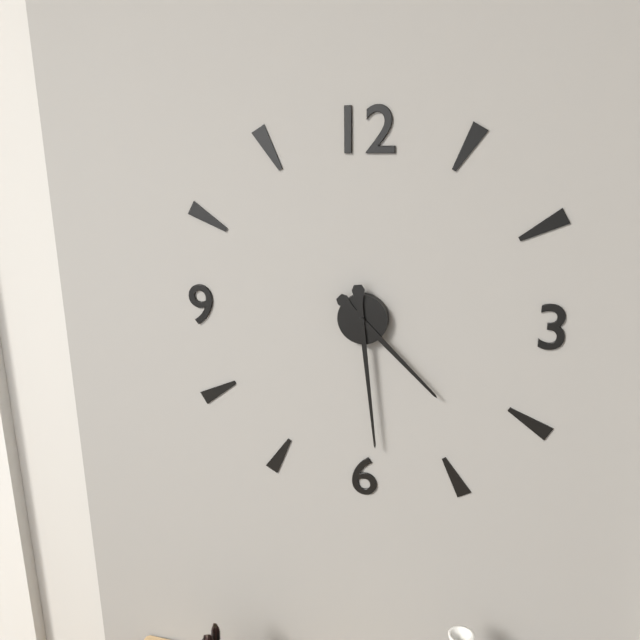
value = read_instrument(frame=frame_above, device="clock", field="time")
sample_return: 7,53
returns 4,29
